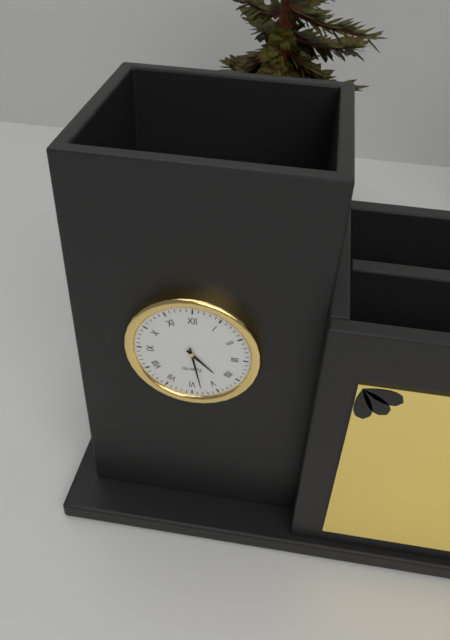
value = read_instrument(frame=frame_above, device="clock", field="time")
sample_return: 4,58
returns 4,28
